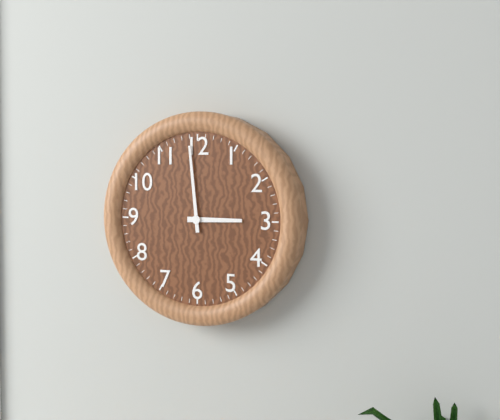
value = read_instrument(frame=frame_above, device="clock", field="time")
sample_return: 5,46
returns 2,59
